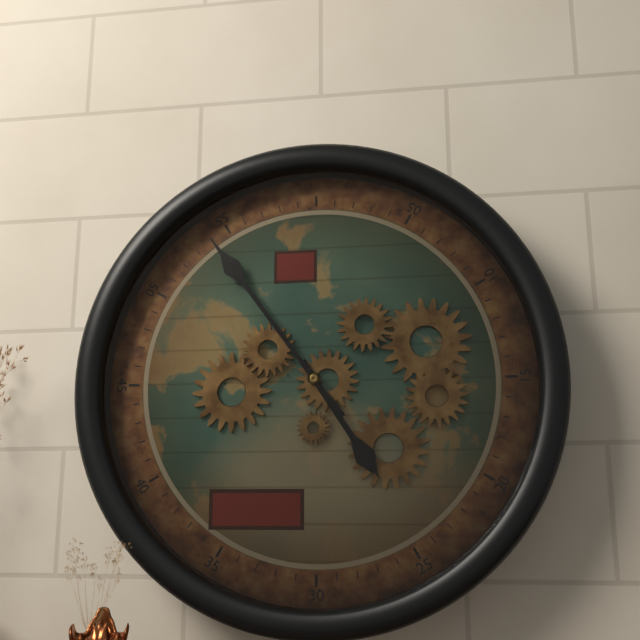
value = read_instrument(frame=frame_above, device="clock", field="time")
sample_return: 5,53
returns 4,54
